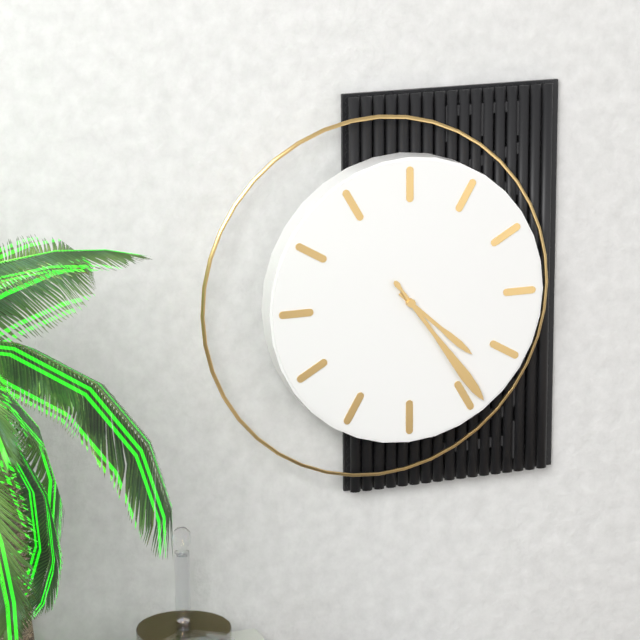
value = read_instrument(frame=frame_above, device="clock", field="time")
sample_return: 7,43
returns 4,24
